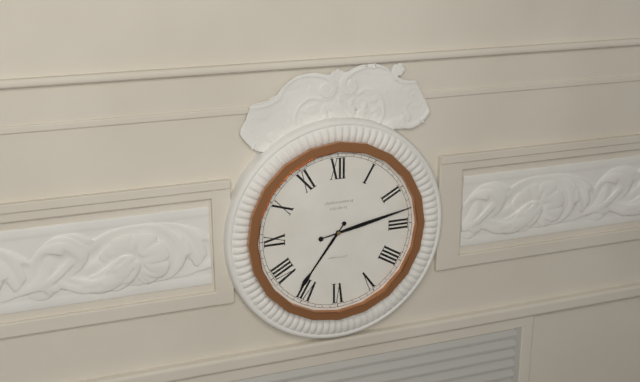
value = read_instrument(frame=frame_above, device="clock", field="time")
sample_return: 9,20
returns 7,13
